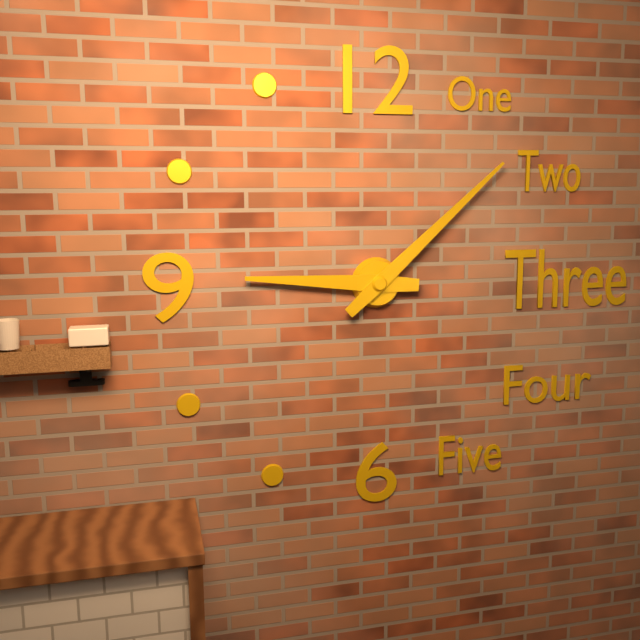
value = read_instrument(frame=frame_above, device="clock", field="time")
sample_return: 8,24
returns 9,08
